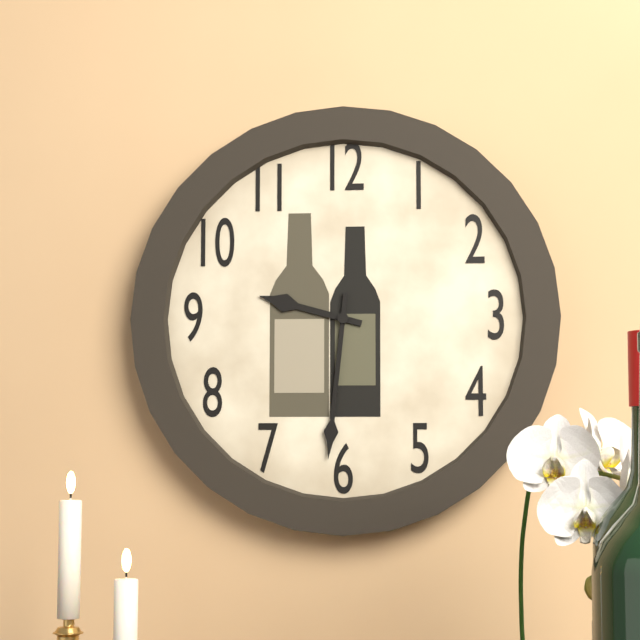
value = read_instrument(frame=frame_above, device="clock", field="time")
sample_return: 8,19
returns 9,31
